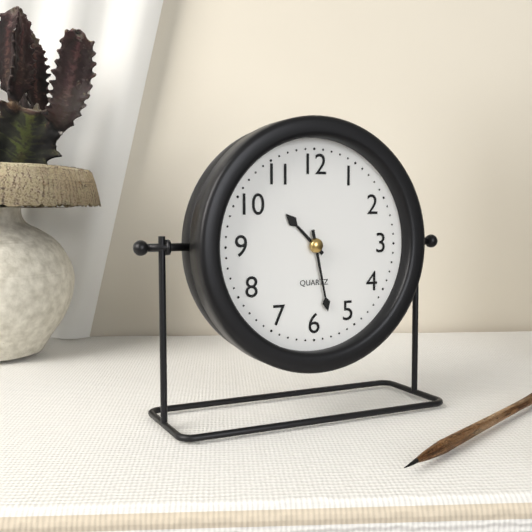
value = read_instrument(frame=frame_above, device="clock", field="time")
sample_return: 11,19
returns 10,28
